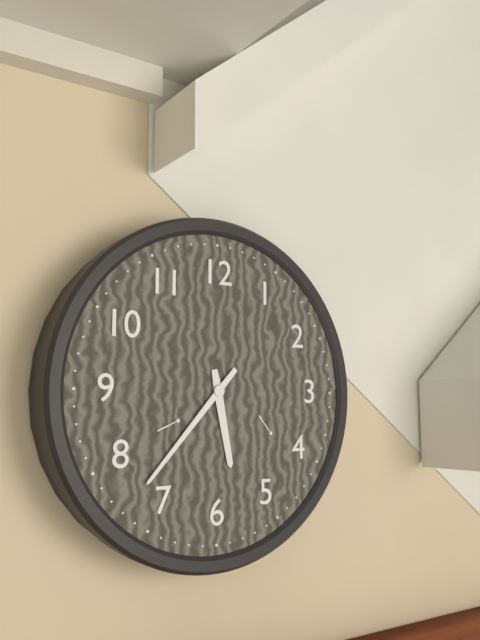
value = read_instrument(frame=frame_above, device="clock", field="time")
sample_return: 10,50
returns 5,37
